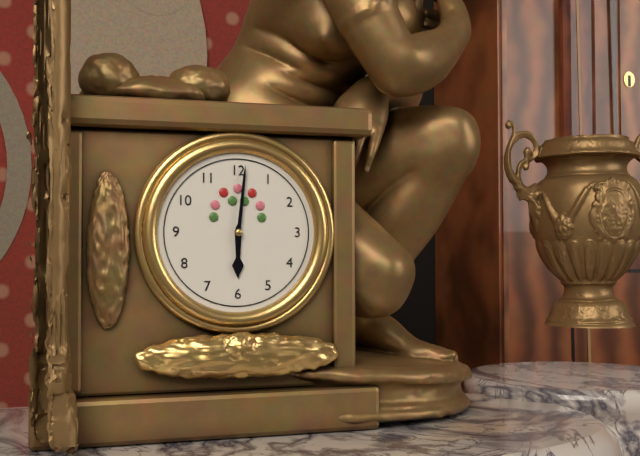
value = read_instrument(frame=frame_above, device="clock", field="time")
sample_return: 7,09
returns 6,01
